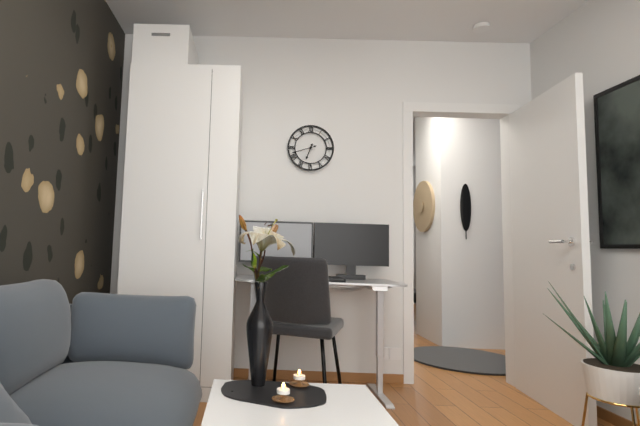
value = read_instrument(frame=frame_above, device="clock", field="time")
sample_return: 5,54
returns 6,42
